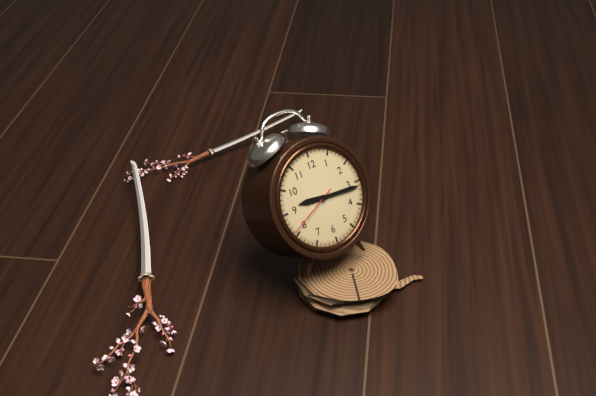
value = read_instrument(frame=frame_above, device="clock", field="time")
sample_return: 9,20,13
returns 9,16,41
